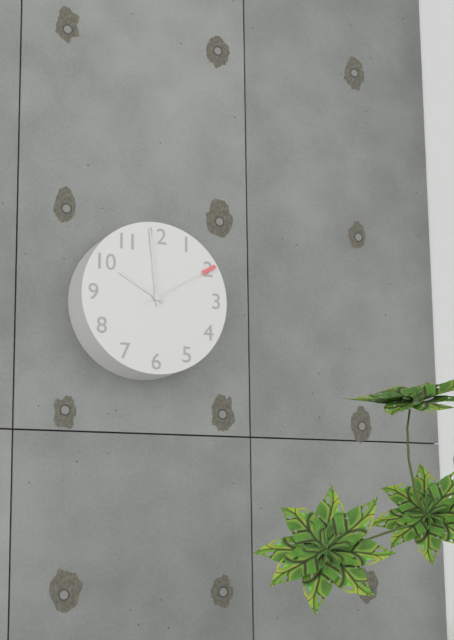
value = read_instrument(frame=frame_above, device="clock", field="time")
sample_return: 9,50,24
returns 9,59,10
